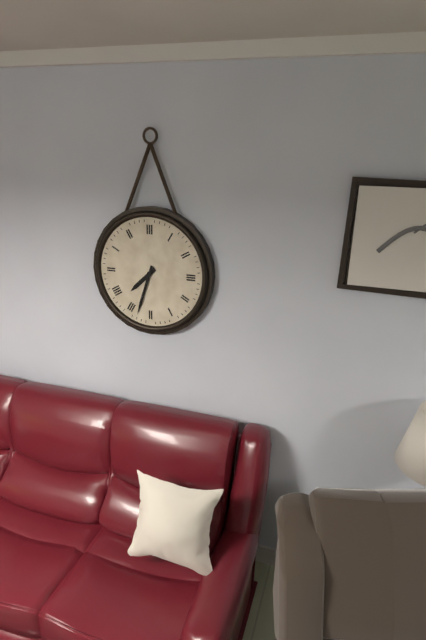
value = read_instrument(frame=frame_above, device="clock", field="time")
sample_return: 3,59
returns 7,33
